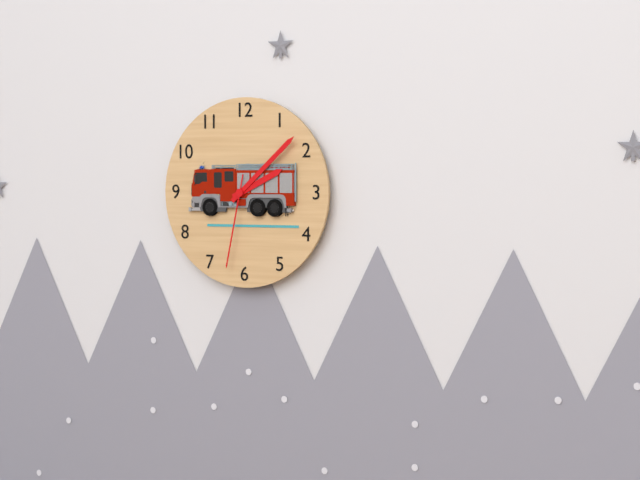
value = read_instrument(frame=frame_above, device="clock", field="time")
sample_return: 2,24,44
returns 2,08,32
